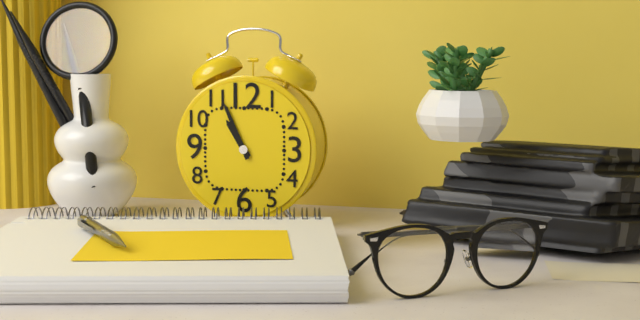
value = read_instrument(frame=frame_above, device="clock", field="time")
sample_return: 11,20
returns 10,56
